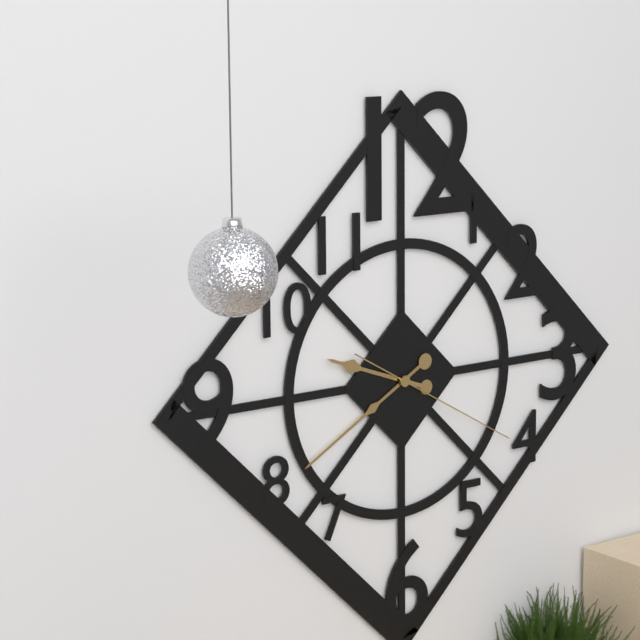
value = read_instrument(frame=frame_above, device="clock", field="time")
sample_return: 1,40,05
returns 9,40,20
